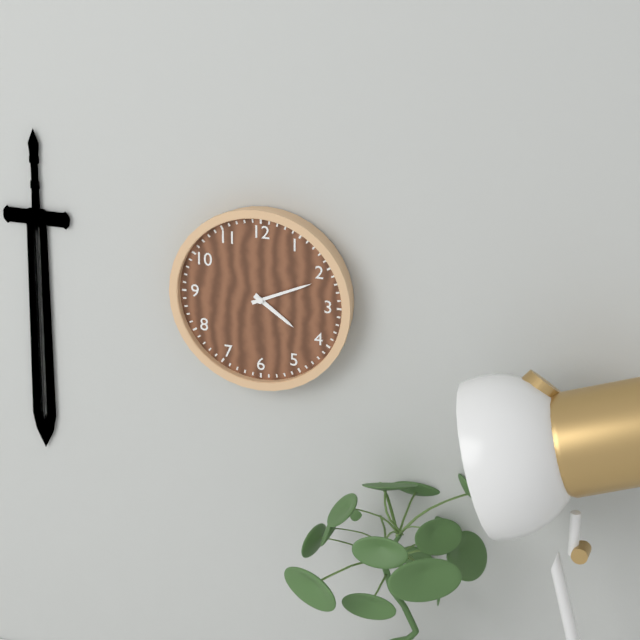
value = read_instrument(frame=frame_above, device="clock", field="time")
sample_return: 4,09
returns 4,11
